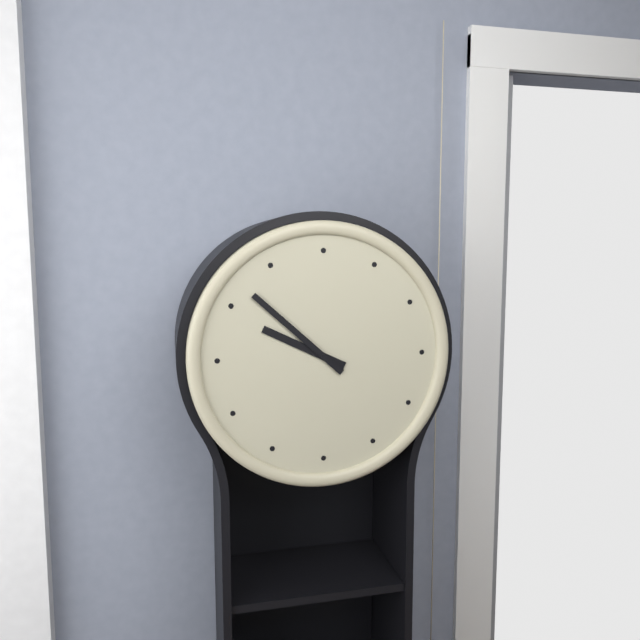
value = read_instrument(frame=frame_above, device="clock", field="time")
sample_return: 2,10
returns 9,52
